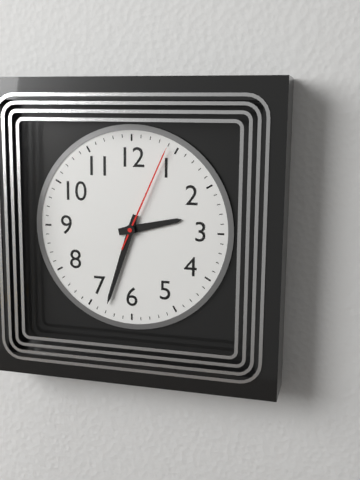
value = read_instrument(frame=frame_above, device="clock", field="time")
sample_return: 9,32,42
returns 2,33,04
